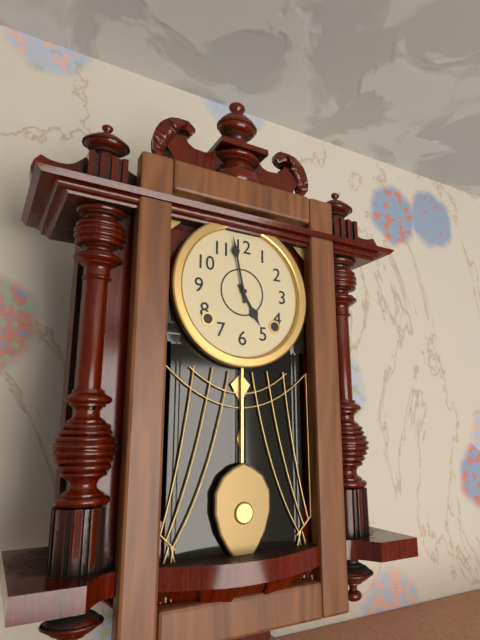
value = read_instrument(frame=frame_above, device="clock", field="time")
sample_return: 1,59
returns 4,58
